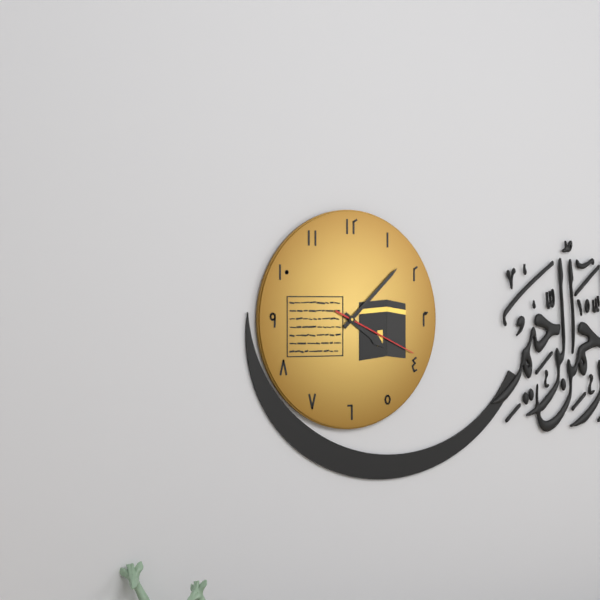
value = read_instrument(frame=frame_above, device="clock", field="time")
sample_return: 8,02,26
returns 4,08,19
